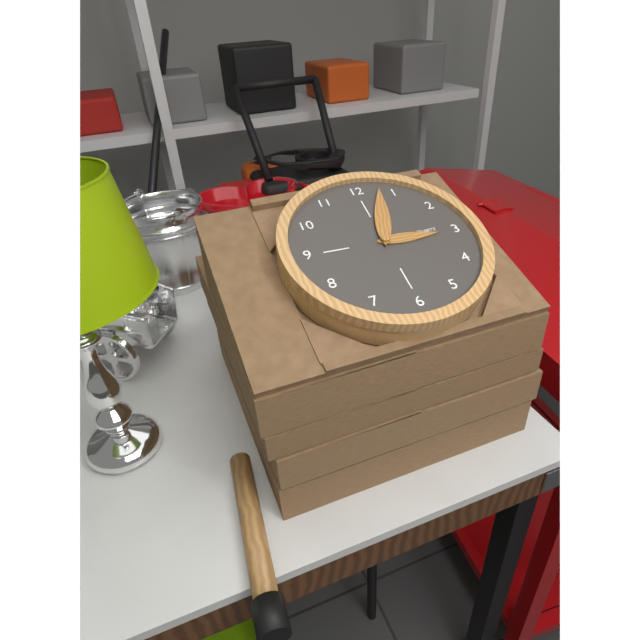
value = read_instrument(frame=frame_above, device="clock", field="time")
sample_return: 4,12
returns 3,03
